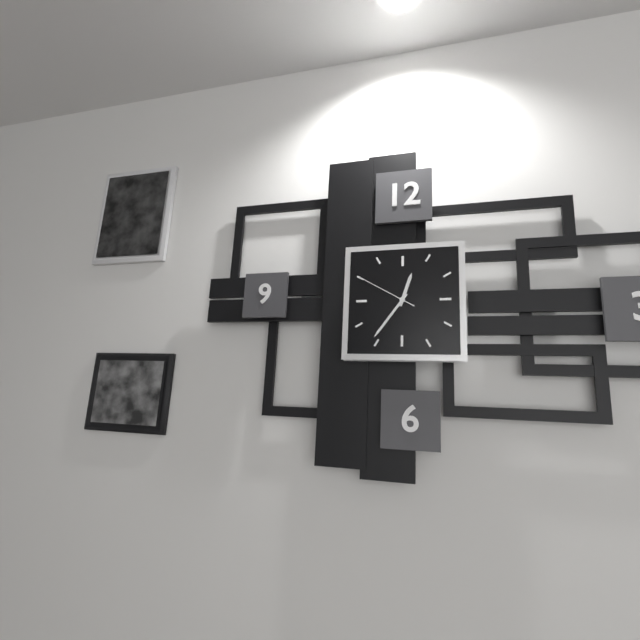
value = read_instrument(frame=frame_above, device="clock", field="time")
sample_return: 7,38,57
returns 12,36,50
